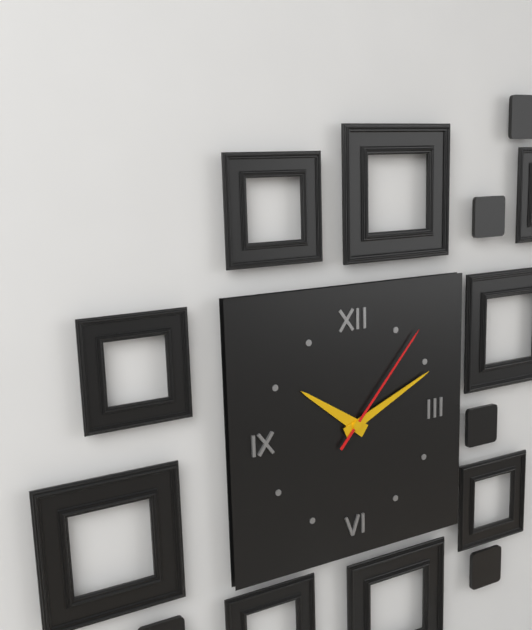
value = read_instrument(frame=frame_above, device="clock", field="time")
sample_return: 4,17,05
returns 10,11,07
